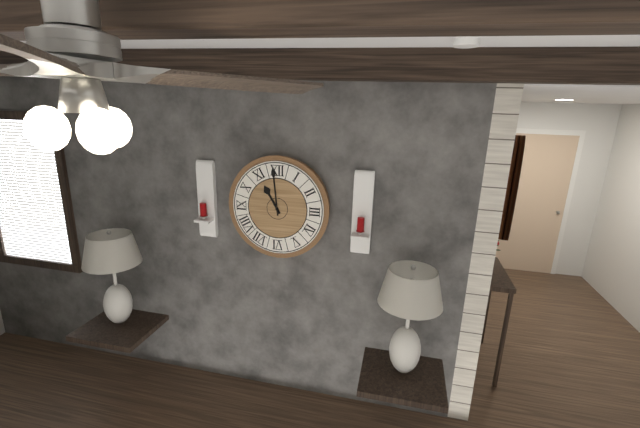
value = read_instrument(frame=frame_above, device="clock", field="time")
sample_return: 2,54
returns 10,59
